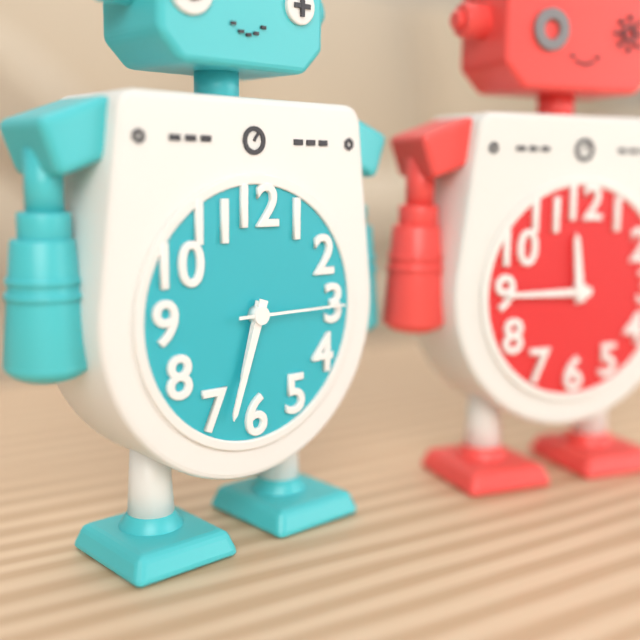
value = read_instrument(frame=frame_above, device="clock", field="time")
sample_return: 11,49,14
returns 6,33,15
